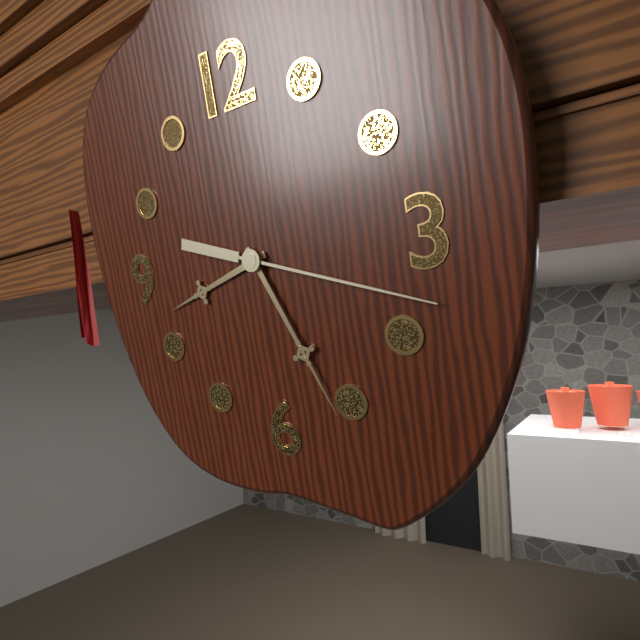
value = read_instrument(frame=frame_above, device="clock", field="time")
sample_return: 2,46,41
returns 8,26,18
